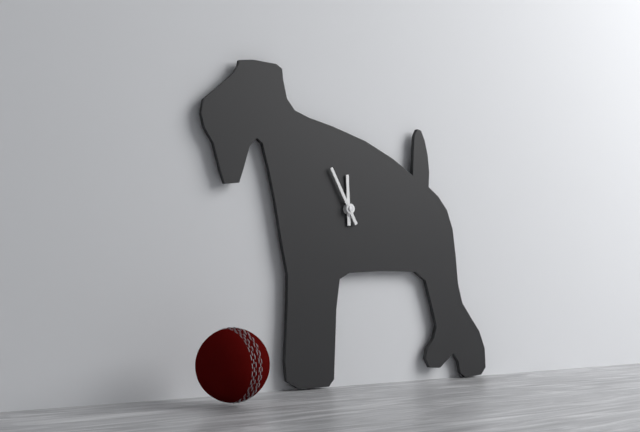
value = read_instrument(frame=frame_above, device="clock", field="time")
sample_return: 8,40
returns 11,55
